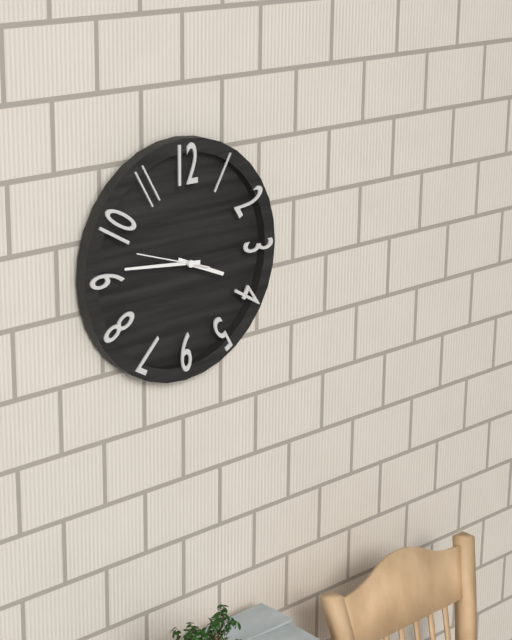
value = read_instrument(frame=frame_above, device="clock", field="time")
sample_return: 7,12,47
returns 3,46,48
